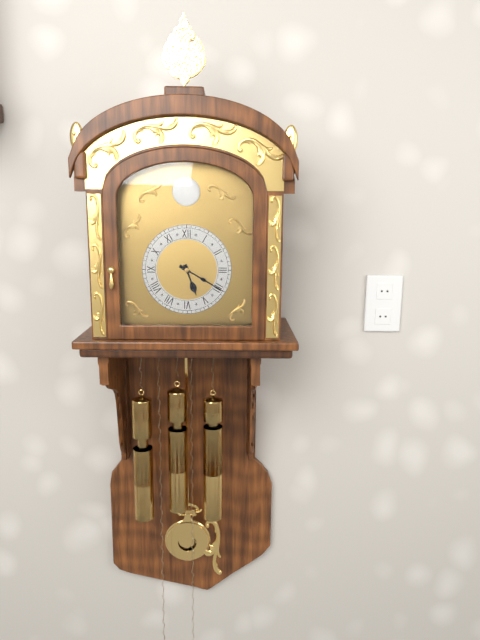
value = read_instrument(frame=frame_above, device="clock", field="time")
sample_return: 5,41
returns 5,20
